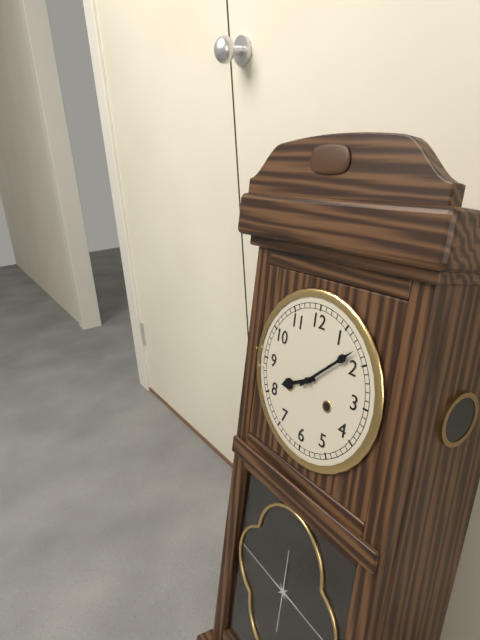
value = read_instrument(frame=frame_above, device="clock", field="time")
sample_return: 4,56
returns 8,08
